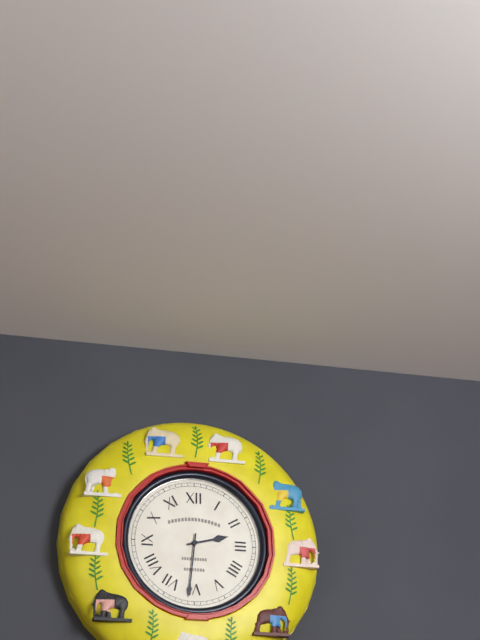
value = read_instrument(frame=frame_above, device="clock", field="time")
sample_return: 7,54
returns 2,31
